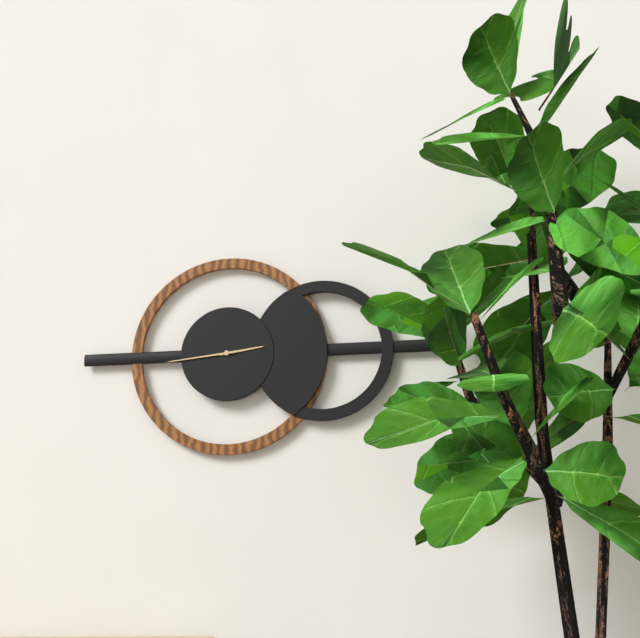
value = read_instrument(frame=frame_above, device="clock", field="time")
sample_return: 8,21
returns 2,44
